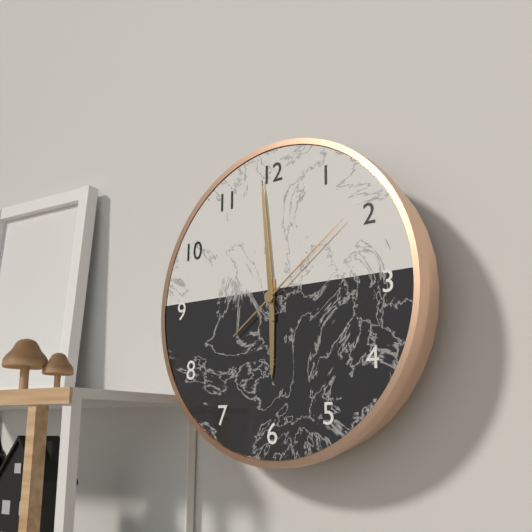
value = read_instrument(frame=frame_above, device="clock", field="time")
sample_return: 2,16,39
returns 5,59,09
